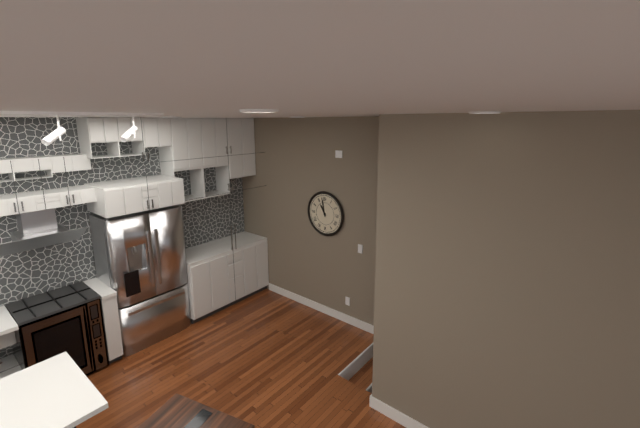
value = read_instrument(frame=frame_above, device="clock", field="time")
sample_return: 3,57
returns 10,58
